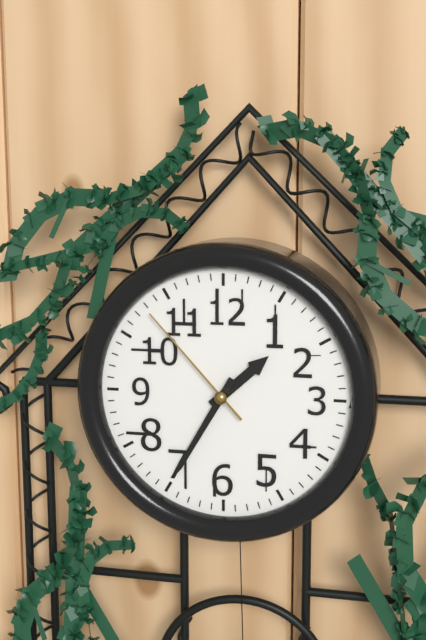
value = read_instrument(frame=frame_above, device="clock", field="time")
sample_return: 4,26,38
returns 1,35,53
